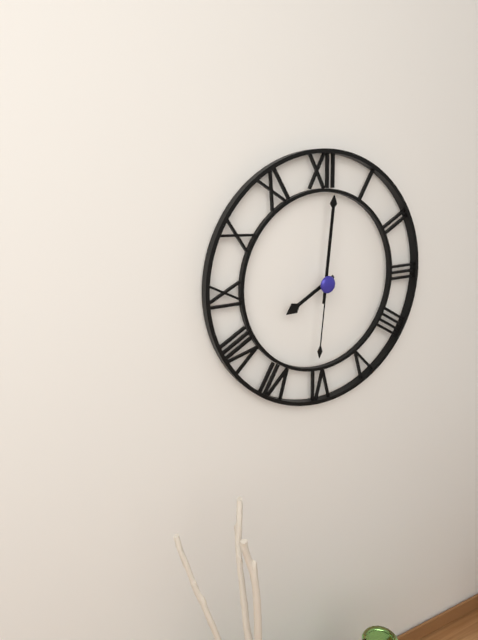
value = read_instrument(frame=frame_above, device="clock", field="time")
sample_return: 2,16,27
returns 8,01,01
